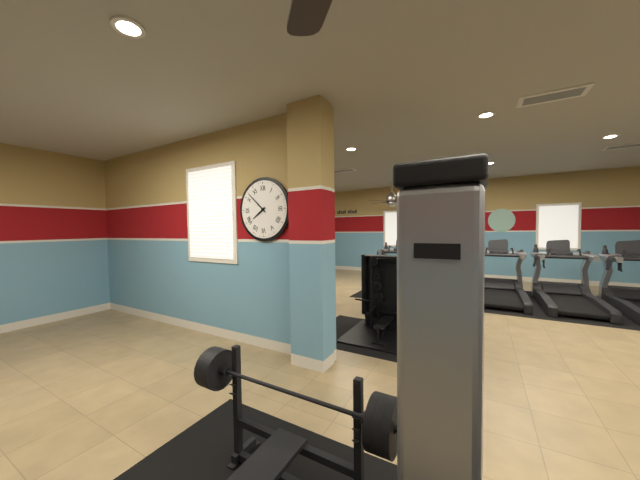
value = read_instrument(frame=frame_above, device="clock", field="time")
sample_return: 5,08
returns 7,52
